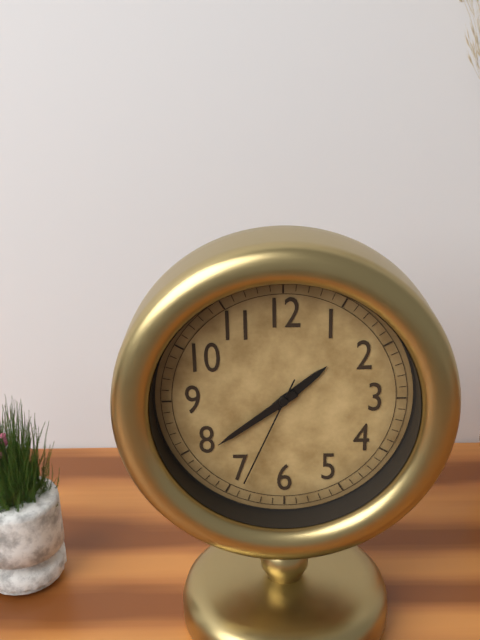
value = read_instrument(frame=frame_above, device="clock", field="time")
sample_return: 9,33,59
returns 1,39,34
